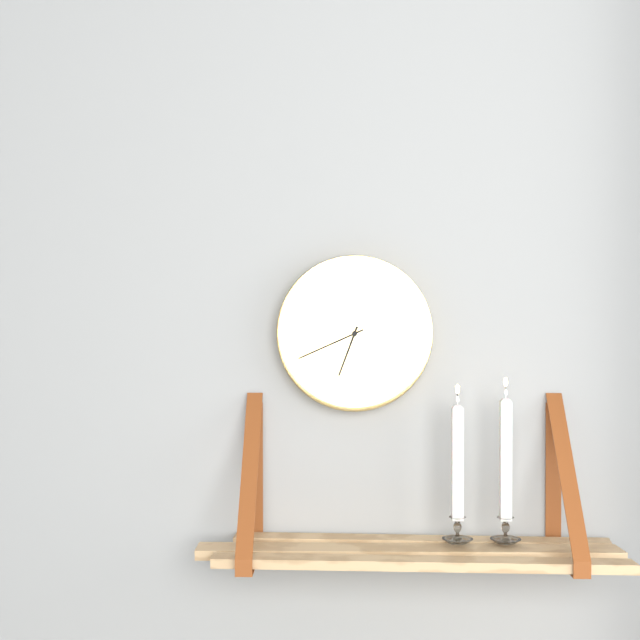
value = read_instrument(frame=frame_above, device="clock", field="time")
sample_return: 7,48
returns 6,41
